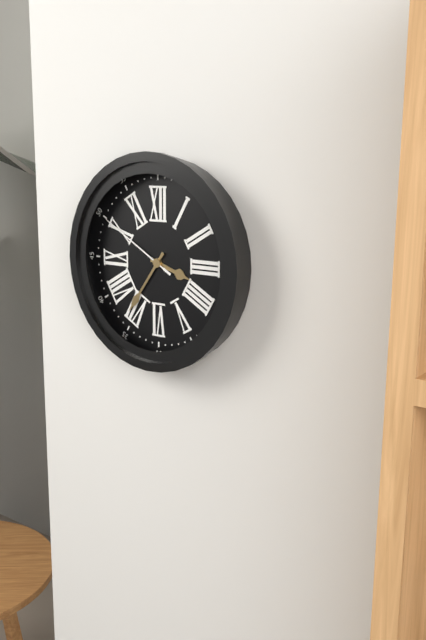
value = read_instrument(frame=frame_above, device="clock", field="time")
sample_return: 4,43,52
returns 3,36,50
